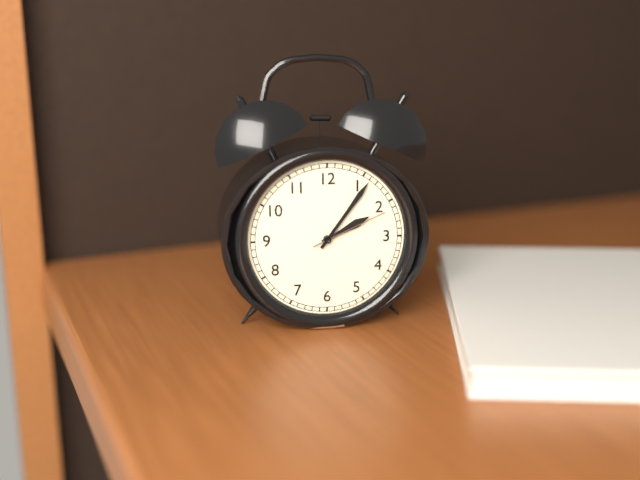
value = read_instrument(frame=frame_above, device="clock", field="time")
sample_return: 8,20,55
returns 2,06,11
